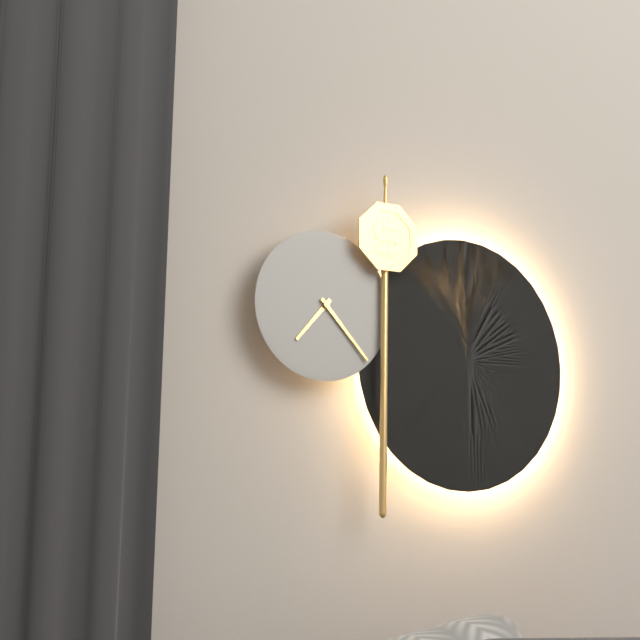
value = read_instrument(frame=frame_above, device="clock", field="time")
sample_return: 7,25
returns 7,23
